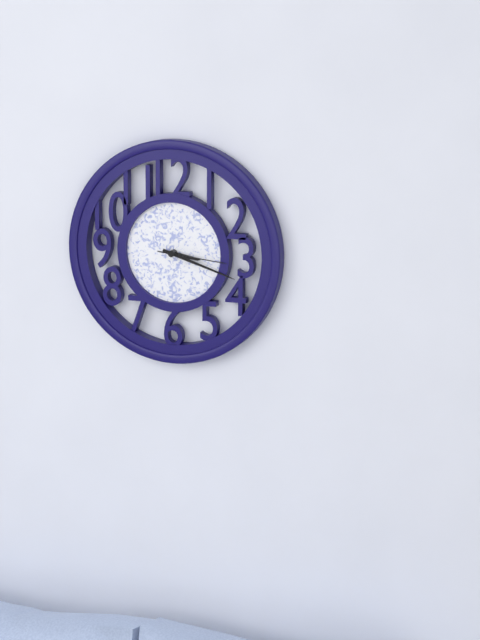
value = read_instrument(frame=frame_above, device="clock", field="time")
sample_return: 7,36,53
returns 3,18,16
